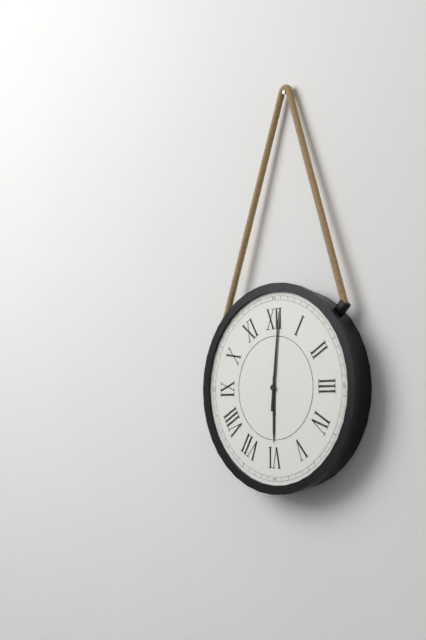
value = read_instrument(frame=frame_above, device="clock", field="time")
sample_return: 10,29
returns 6,01
